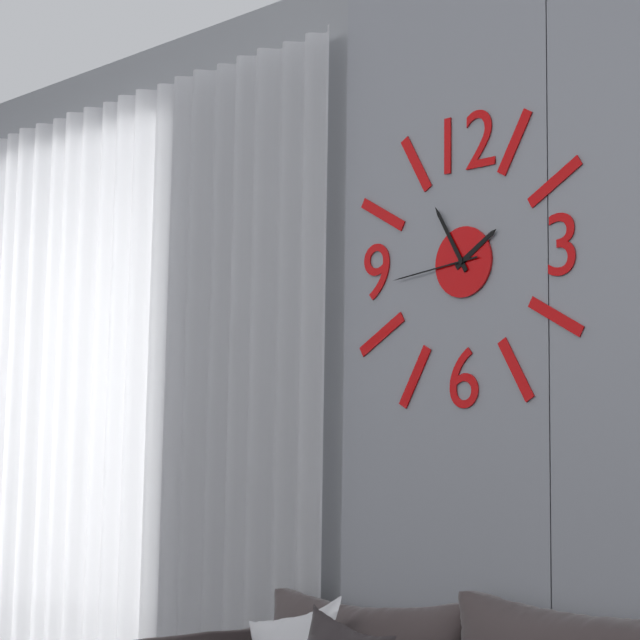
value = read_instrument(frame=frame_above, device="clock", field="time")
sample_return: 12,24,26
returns 1,55,44
